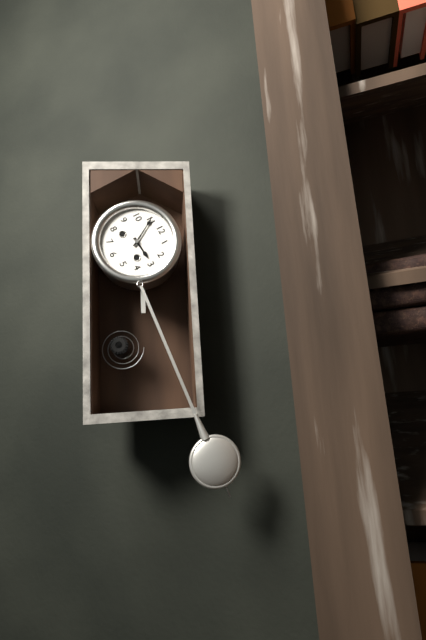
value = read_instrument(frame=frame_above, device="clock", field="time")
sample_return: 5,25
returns 2,55
